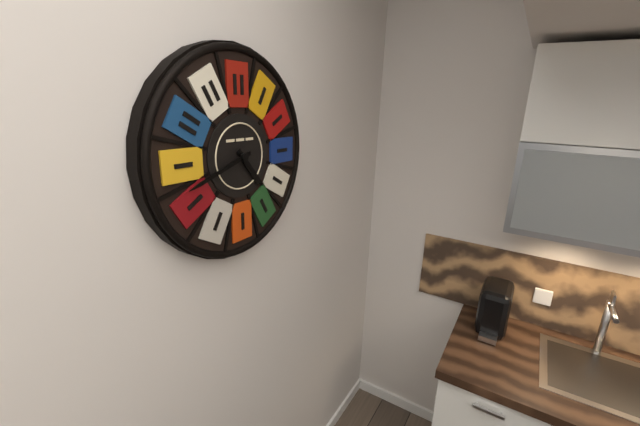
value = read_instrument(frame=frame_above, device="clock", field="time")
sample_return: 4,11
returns 4,42
